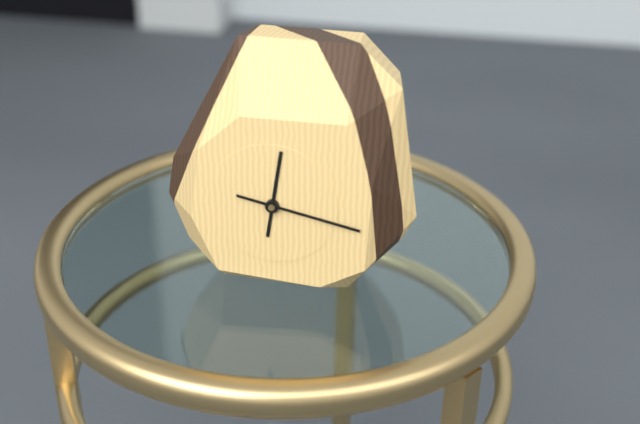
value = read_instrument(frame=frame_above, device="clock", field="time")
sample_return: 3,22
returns 12,17
